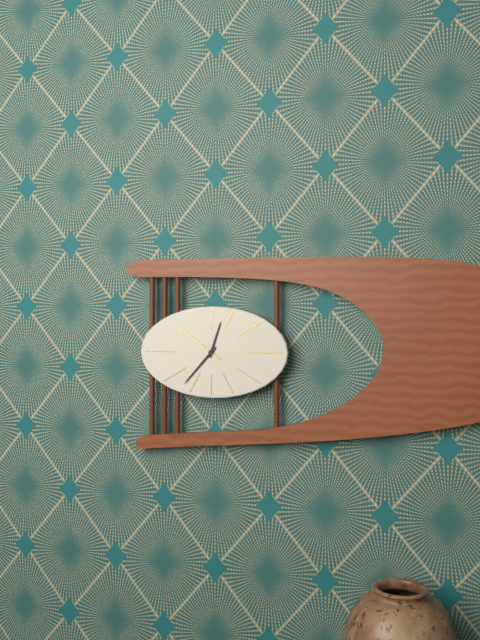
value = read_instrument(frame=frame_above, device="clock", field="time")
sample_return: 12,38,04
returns 12,37,51
